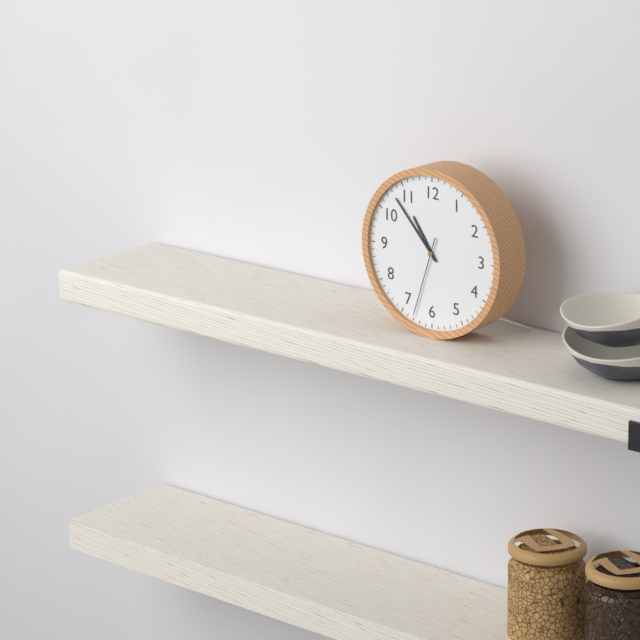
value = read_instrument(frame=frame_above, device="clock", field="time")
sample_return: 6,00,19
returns 10,53,33
